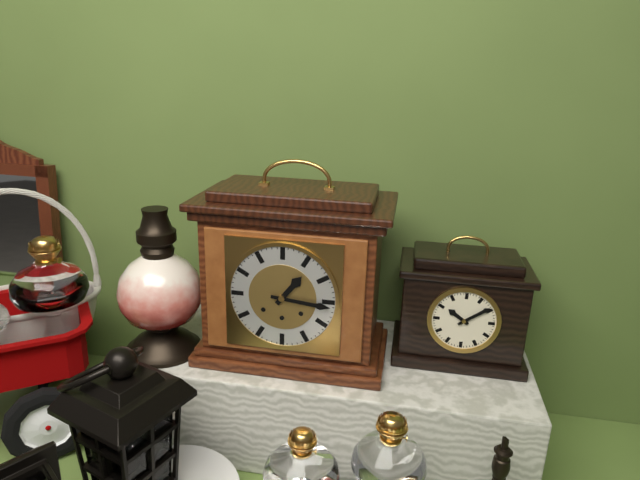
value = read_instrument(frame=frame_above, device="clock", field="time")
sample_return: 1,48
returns 1,16
